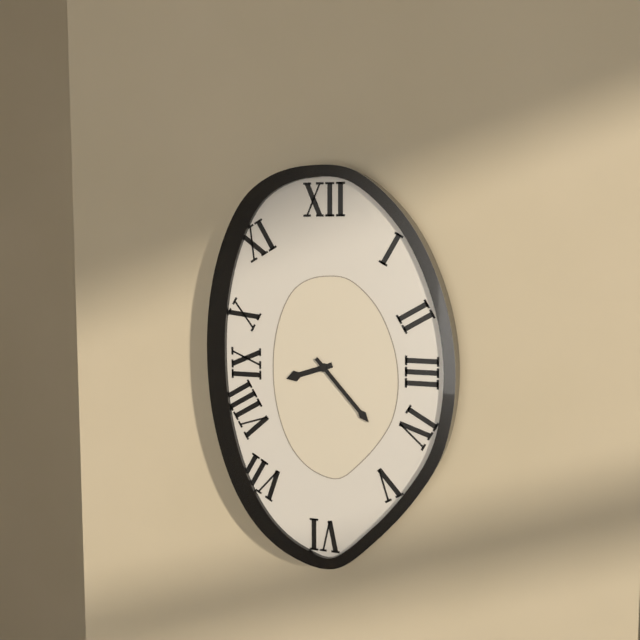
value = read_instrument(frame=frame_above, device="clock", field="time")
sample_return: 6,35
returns 8,23
